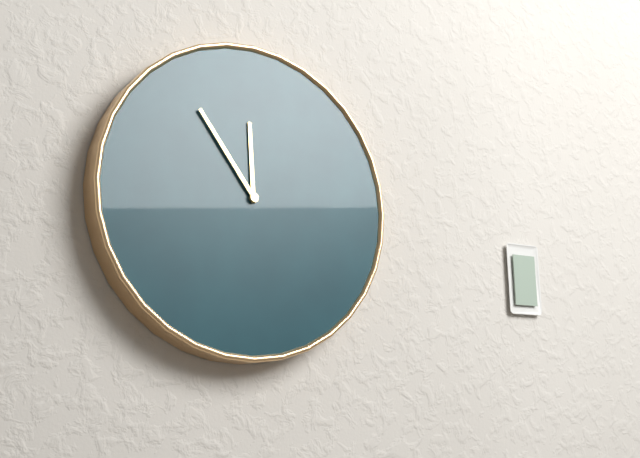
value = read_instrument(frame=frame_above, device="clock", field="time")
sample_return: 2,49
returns 11,54
